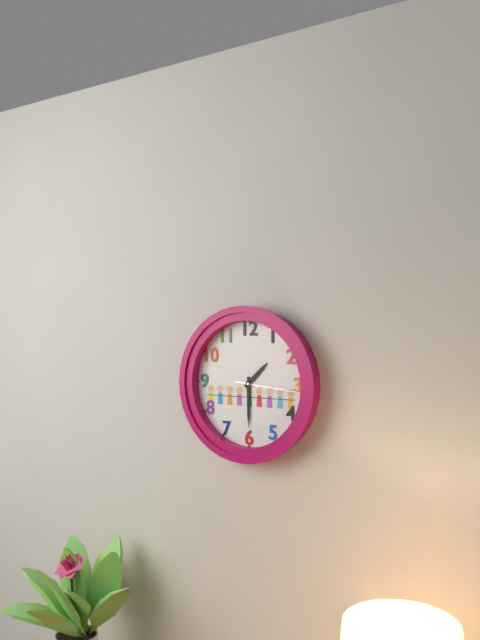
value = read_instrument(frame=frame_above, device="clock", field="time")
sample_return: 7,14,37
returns 1,30,16
